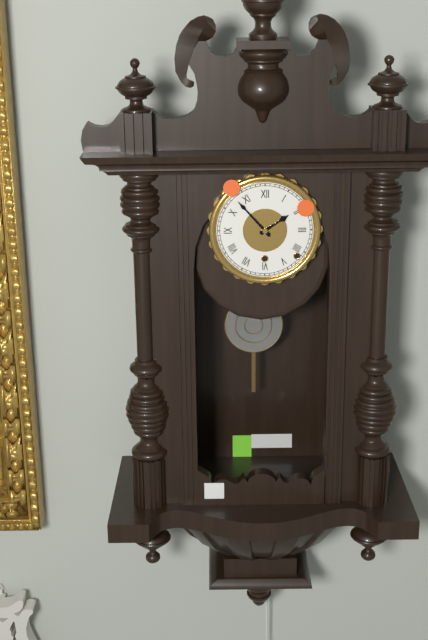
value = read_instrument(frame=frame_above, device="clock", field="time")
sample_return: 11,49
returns 1,53
